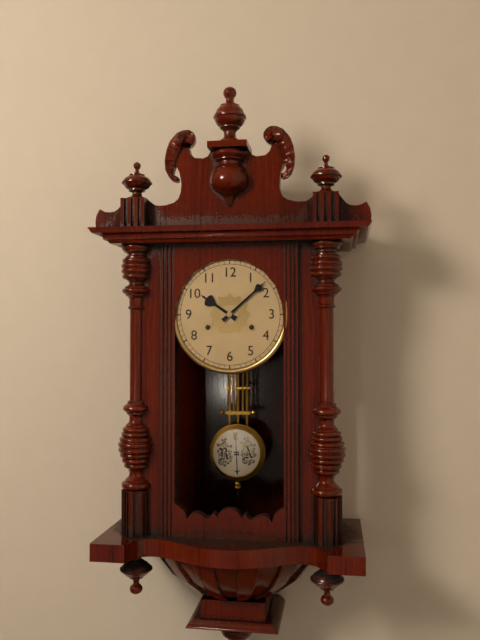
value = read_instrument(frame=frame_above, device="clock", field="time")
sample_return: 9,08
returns 10,08
